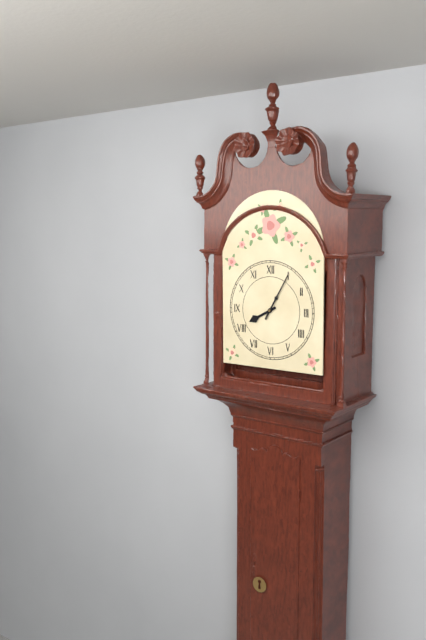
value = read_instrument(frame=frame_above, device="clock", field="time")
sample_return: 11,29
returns 8,05
